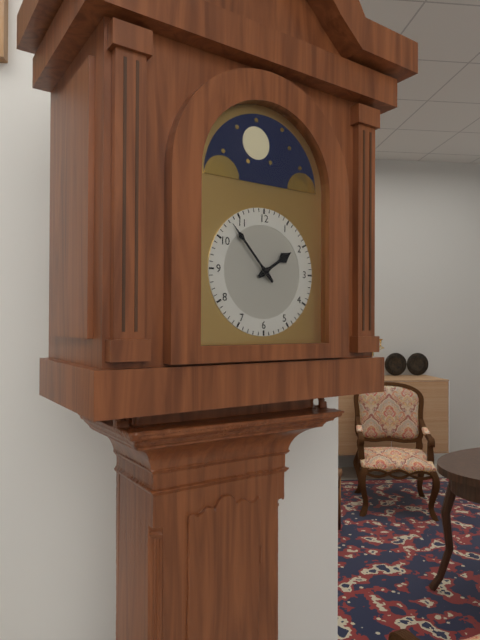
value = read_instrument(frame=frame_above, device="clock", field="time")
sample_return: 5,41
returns 1,53
